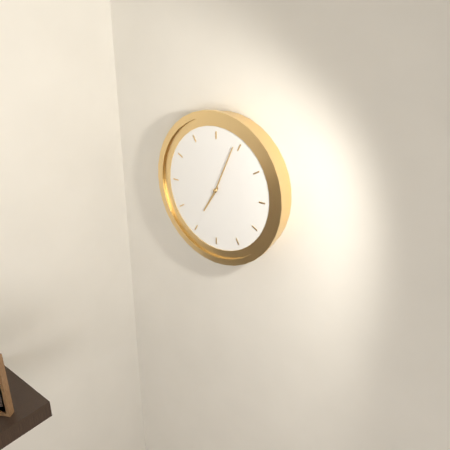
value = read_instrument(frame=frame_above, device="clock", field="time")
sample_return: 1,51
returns 7,04
